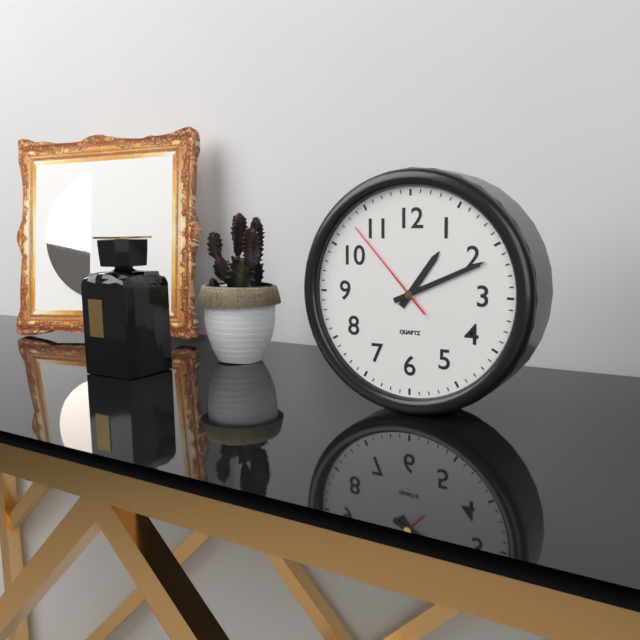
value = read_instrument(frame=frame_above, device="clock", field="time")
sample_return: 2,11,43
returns 1,11,53
